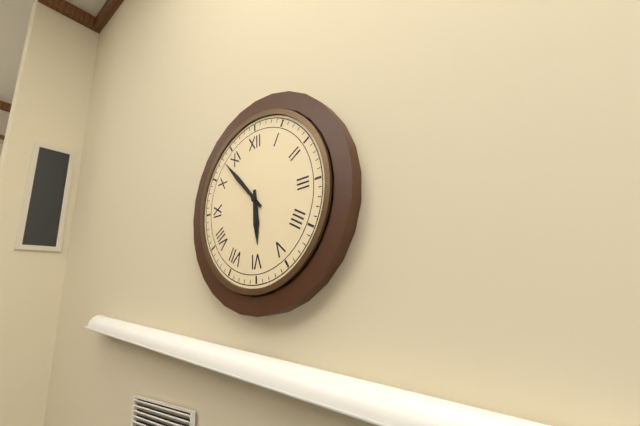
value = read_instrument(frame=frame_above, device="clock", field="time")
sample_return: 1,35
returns 5,53
